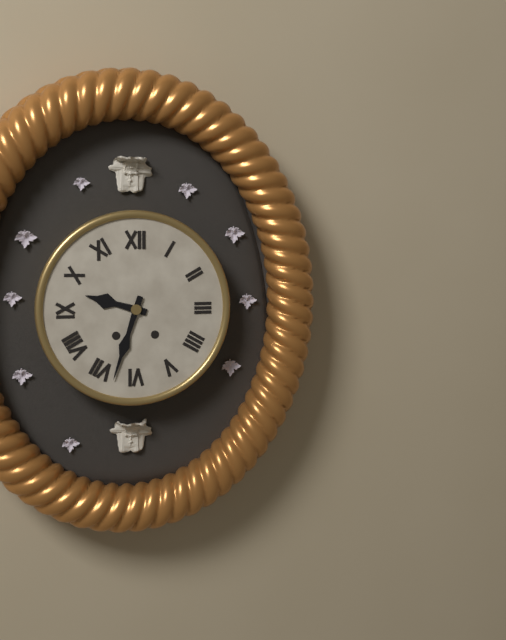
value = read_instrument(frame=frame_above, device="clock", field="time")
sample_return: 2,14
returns 9,33
